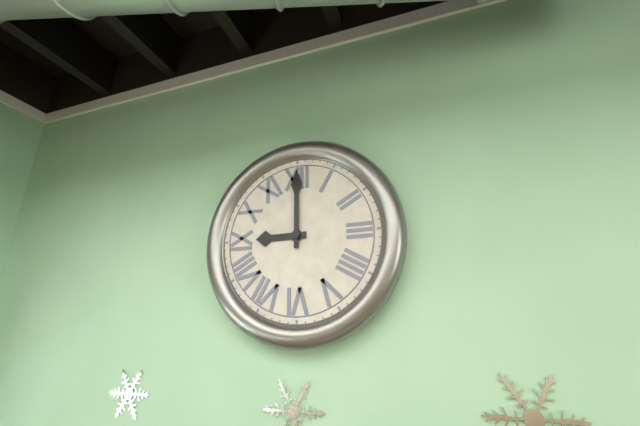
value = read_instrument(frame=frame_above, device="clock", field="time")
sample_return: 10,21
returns 9,00
